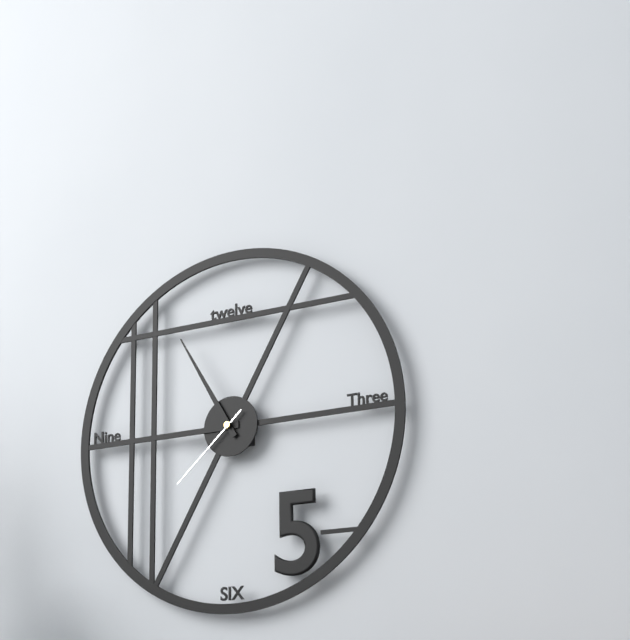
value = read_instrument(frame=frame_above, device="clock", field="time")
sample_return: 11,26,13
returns 8,55,38
